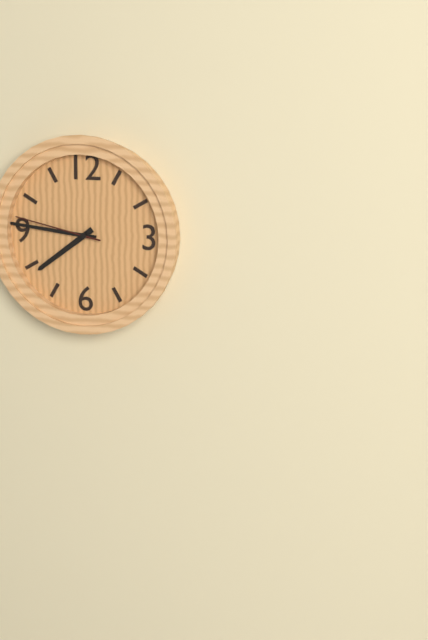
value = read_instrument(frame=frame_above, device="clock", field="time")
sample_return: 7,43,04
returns 7,46,47
